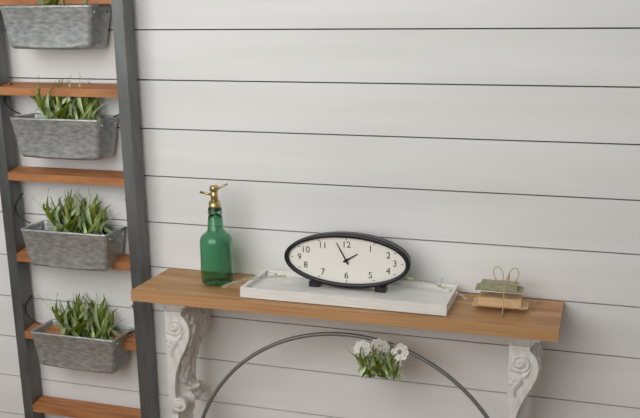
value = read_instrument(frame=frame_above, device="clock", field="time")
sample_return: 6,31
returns 1,55
